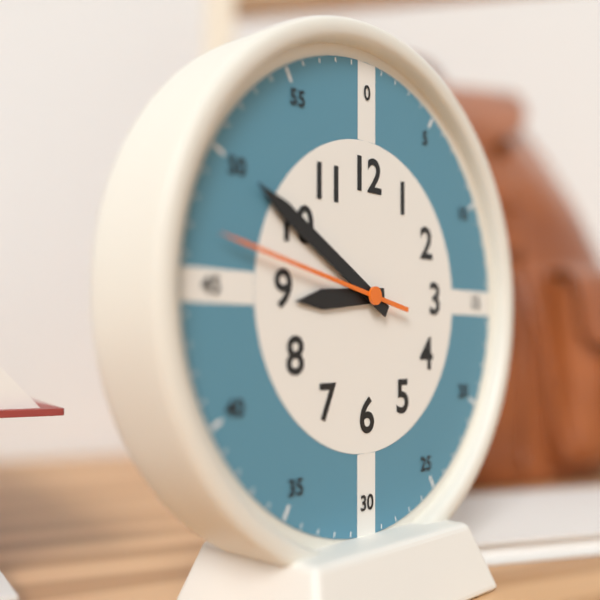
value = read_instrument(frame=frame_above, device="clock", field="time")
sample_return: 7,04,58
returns 8,50,47
